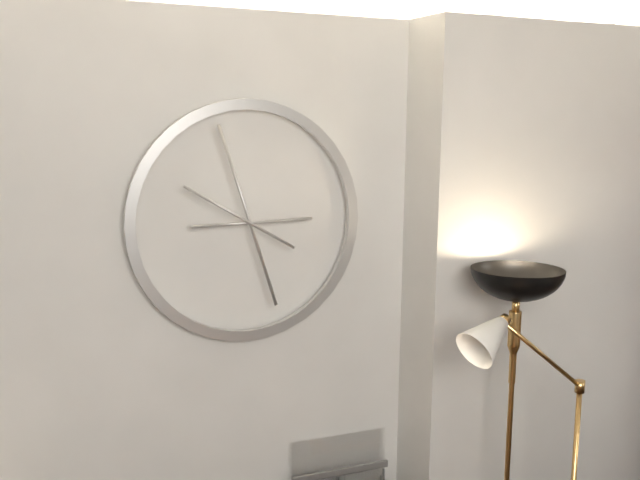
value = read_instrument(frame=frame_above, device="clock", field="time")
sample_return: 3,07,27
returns 2,57,50
